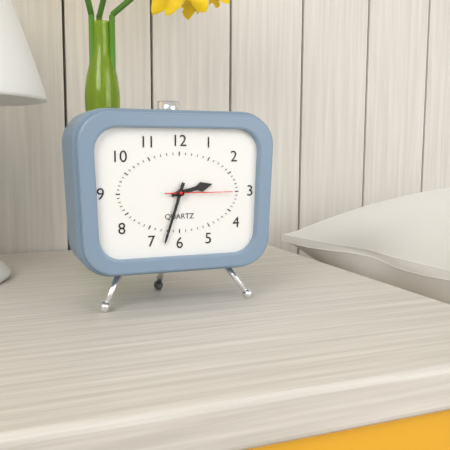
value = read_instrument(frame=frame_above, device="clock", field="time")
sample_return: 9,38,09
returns 2,33,15
